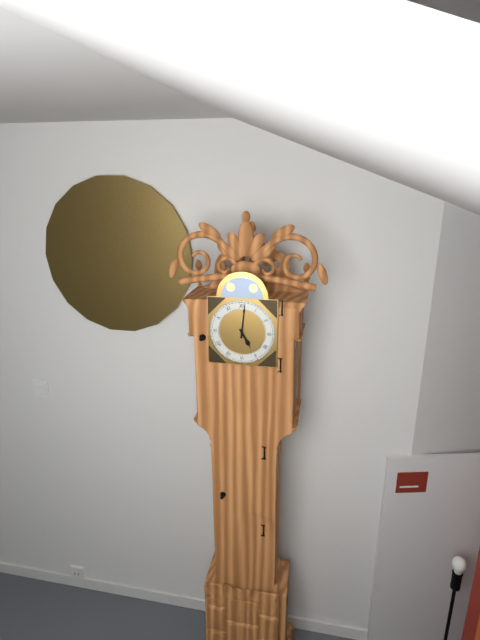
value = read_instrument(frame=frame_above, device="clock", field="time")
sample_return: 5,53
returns 5,01
